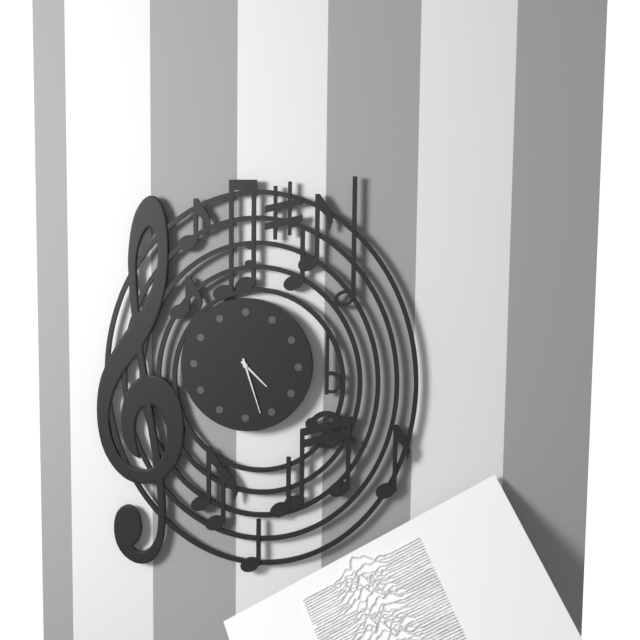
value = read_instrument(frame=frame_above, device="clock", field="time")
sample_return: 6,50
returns 4,27
